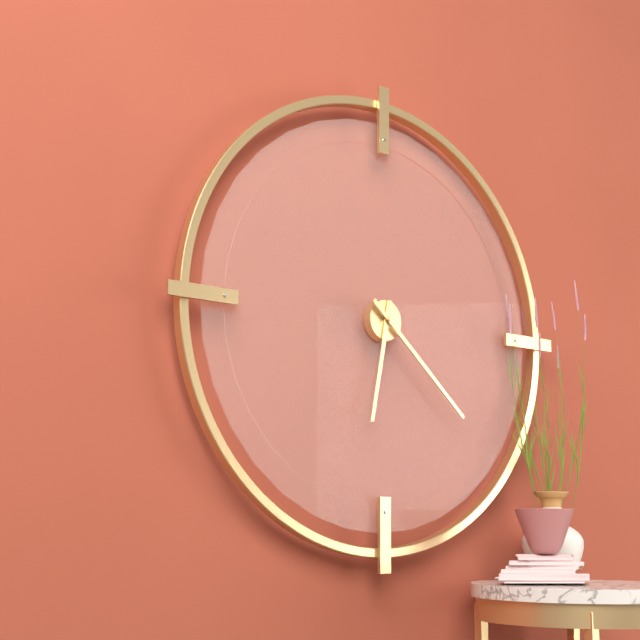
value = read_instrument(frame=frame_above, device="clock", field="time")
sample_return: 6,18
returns 6,22
